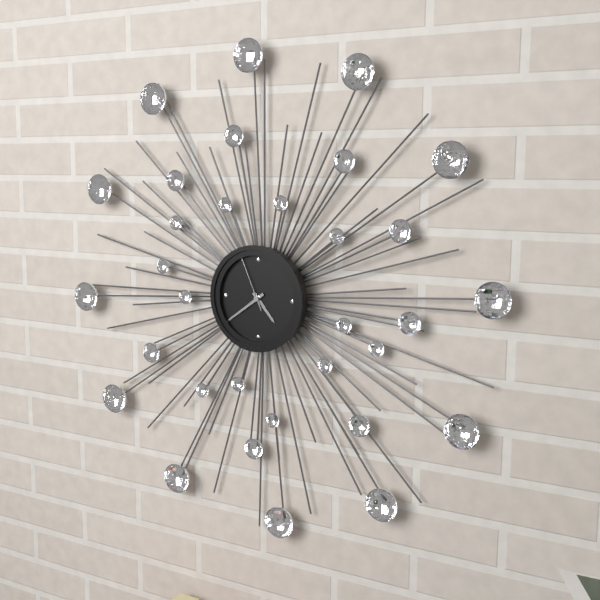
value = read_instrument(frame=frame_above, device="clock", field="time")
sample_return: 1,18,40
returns 4,39,56
